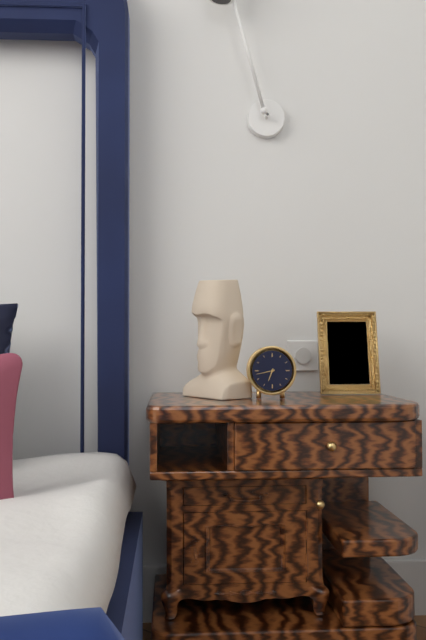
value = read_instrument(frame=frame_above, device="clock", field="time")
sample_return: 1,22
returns 6,43
